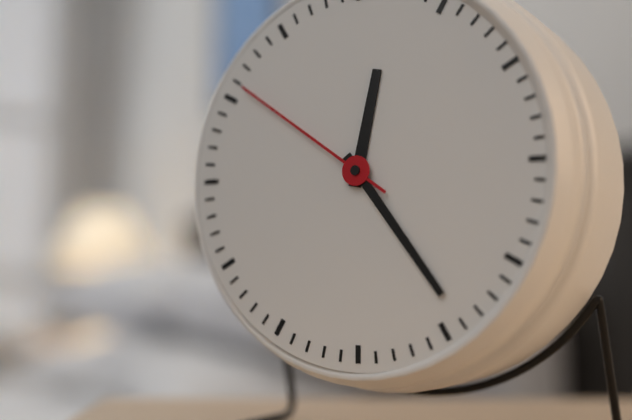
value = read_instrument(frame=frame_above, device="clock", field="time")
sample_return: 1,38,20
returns 12,24,51
